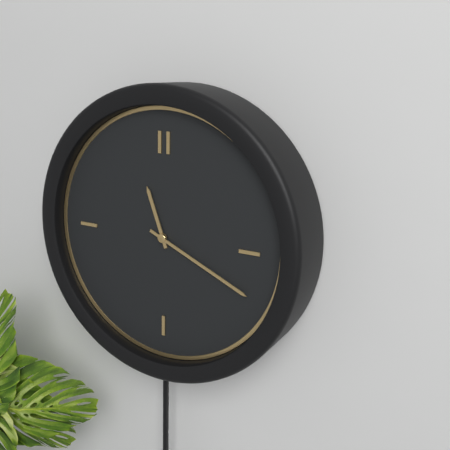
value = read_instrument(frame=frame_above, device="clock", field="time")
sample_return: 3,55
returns 11,19
